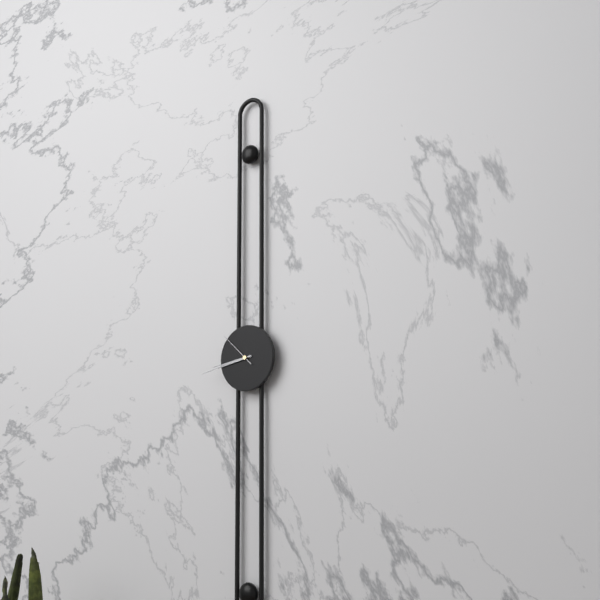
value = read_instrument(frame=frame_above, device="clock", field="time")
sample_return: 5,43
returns 8,43
